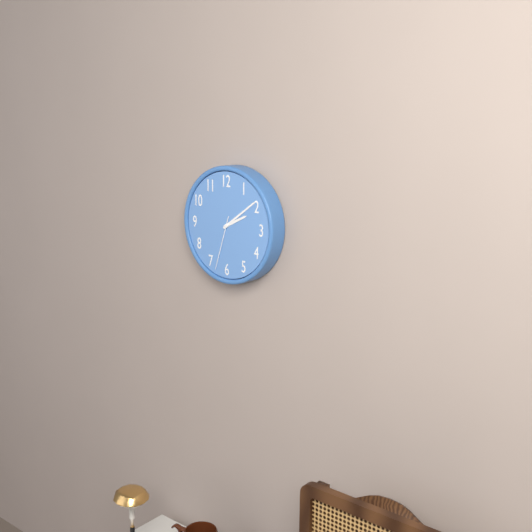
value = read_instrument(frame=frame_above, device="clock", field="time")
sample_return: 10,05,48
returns 2,09,33
